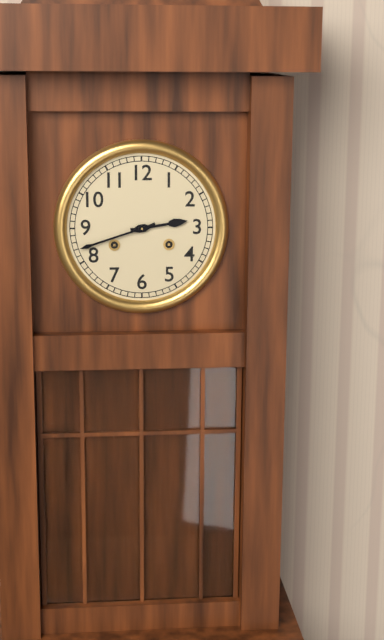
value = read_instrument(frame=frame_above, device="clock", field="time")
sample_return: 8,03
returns 2,42
